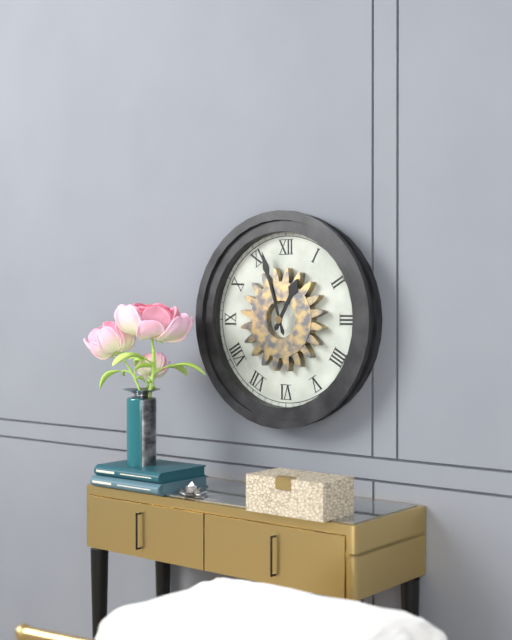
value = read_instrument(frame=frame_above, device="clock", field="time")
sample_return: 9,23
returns 12,57
